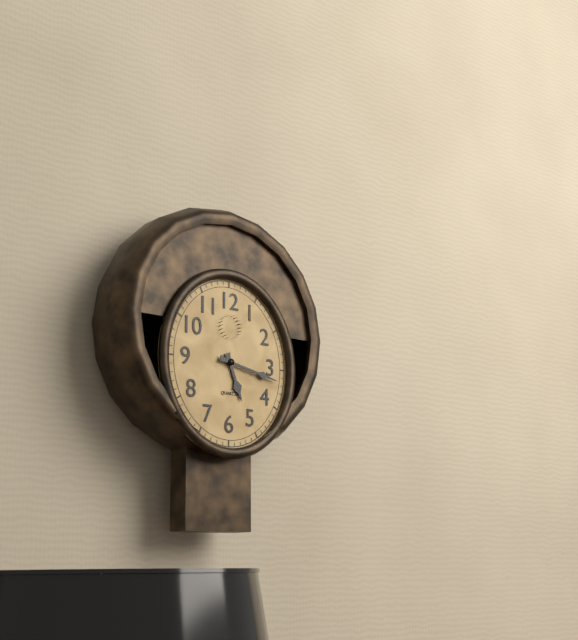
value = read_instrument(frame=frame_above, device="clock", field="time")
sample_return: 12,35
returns 5,17
